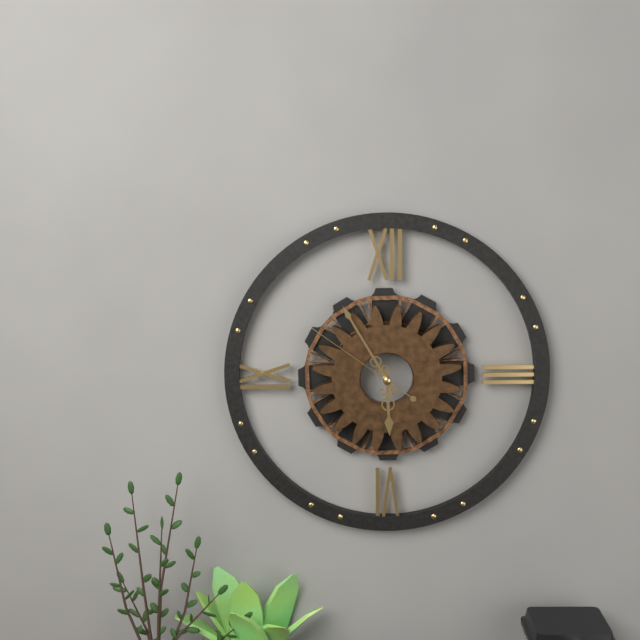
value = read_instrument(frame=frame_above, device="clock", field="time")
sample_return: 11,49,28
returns 5,55,51
